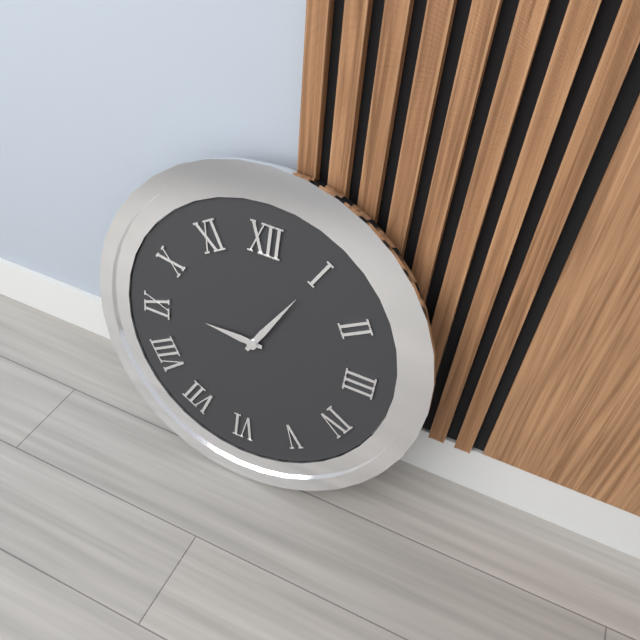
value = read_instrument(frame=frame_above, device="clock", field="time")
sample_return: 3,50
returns 9,05
